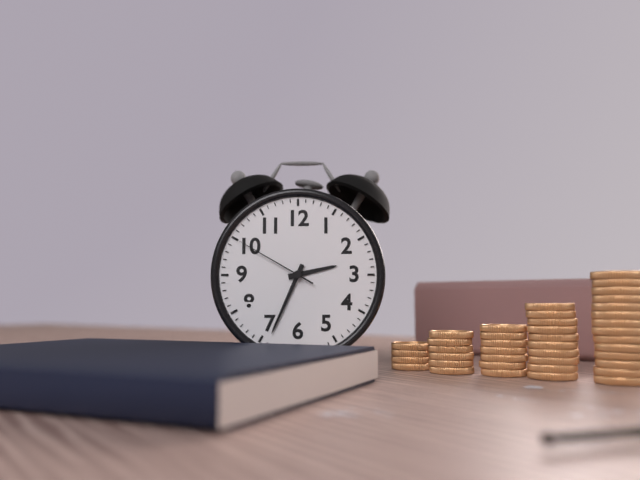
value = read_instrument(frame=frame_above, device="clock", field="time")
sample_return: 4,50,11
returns 2,34,50
